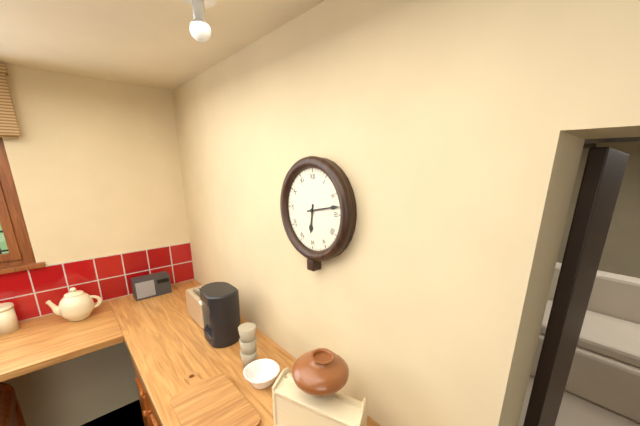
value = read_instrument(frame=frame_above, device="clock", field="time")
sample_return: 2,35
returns 6,13
